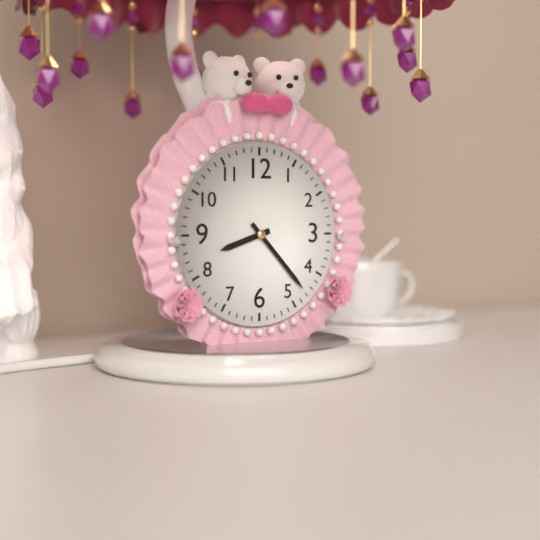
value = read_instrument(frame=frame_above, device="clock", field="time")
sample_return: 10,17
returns 8,23
